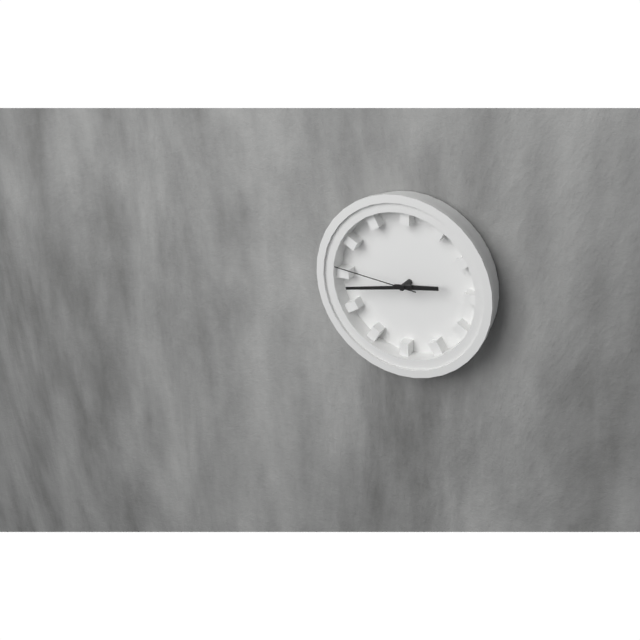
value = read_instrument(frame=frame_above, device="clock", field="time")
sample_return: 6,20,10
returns 2,43,46
